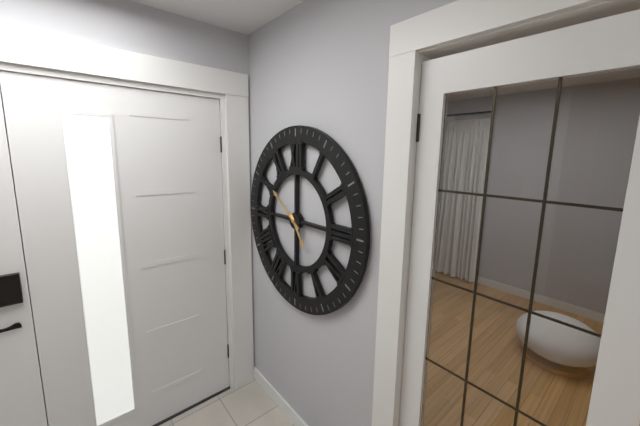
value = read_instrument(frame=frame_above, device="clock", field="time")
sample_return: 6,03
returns 4,51
